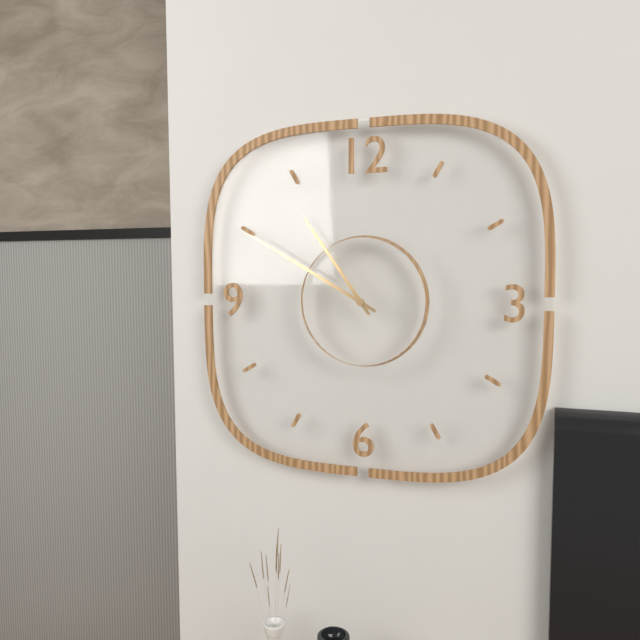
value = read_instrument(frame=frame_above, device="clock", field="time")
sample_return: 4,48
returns 10,50
